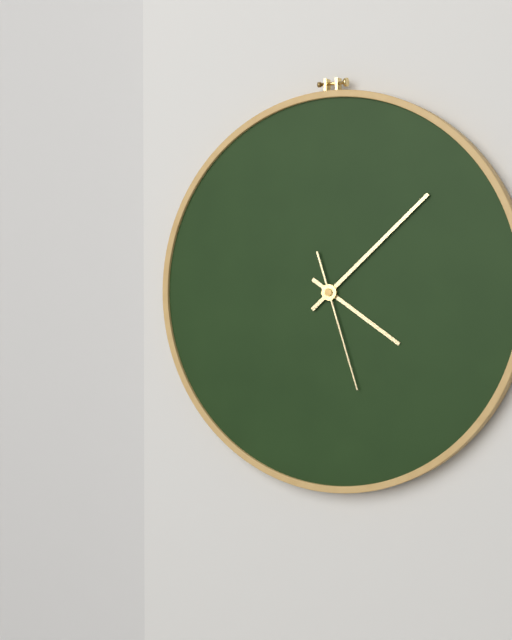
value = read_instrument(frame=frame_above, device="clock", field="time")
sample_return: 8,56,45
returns 4,08,27
